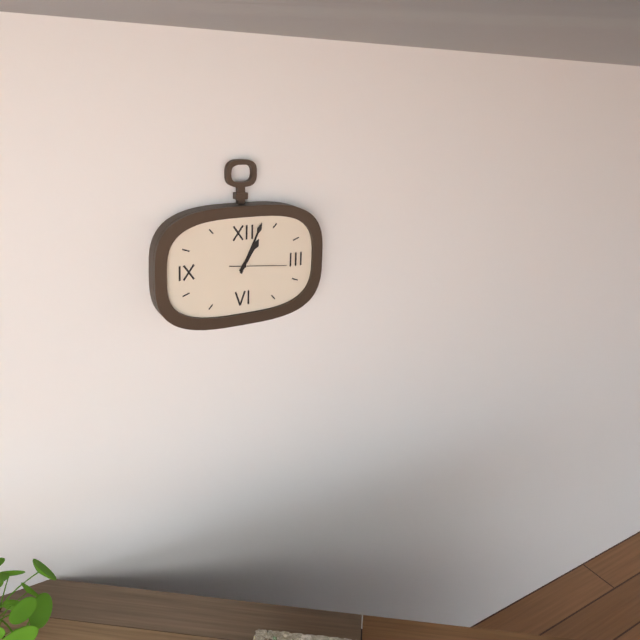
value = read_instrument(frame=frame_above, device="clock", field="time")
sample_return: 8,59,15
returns 1,04,16
